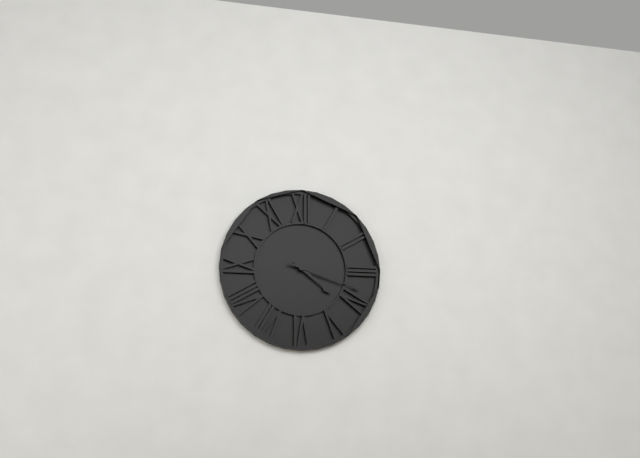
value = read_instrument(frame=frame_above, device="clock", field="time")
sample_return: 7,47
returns 4,18
